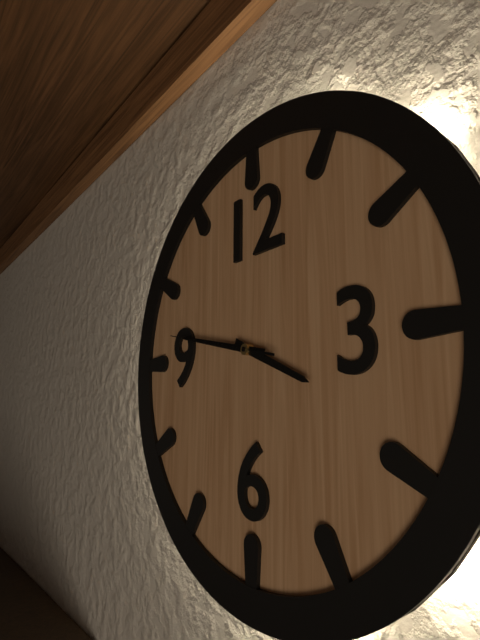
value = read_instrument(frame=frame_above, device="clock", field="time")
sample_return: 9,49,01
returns 3,47,47
